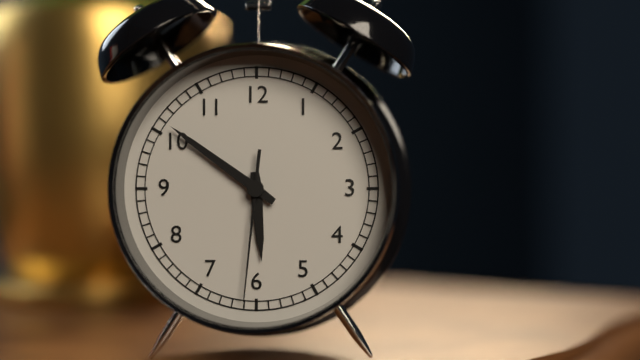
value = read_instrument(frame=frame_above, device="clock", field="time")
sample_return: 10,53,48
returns 5,51,31
